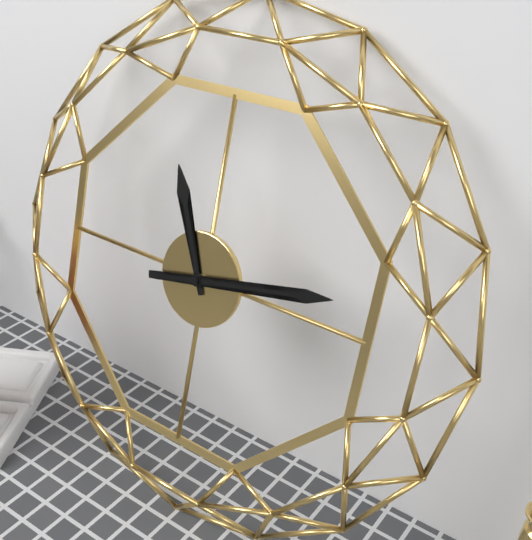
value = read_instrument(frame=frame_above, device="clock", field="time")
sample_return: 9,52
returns 11,13
